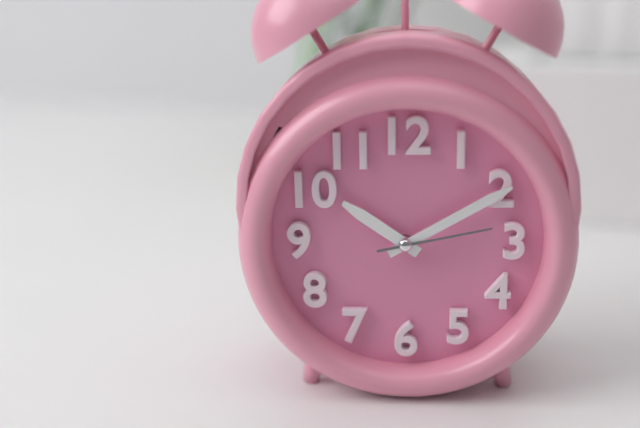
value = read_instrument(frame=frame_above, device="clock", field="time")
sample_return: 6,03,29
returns 10,10,13
